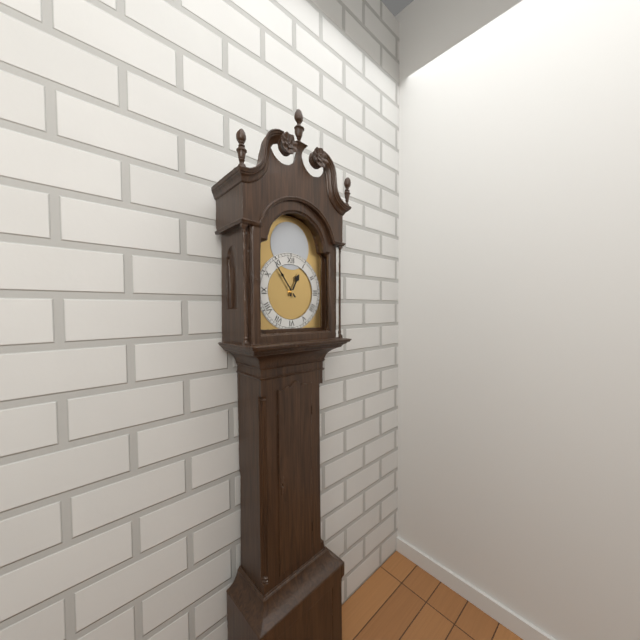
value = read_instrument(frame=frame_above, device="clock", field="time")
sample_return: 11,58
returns 12,54
